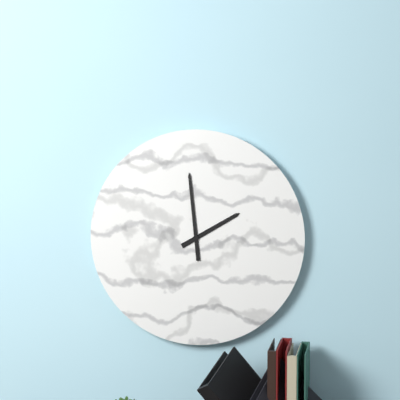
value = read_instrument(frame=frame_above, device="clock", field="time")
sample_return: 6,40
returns 1,59
